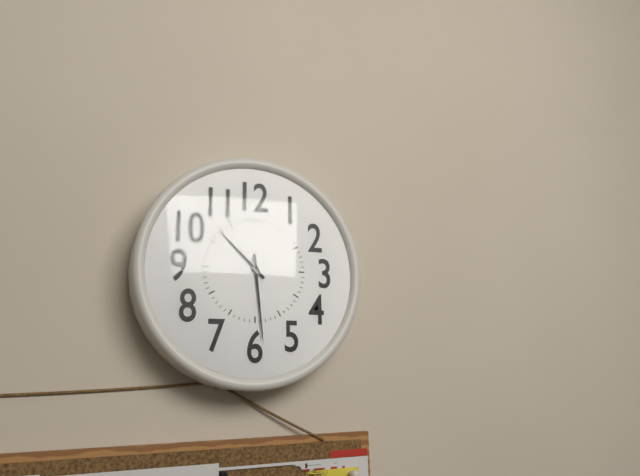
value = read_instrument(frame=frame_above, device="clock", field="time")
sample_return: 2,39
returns 10,29
